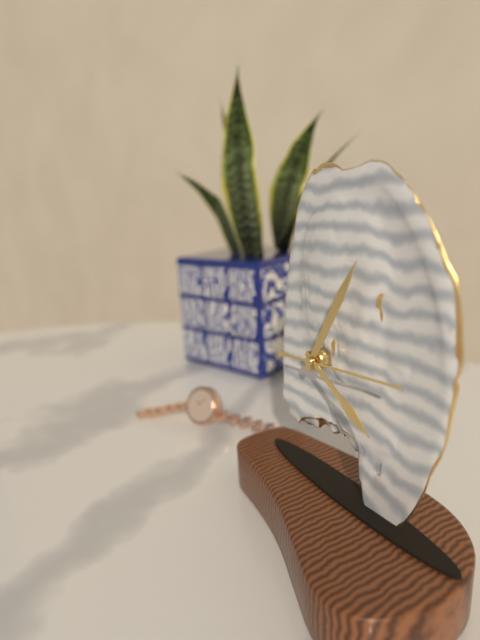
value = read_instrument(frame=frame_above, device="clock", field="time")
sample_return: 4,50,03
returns 4,05,14
